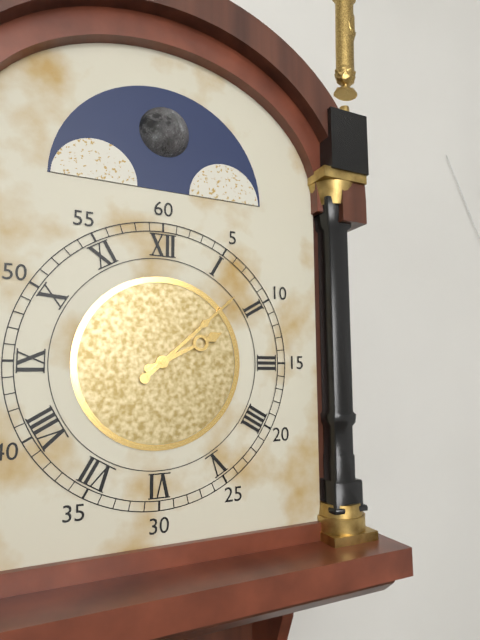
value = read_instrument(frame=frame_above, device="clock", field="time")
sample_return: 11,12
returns 2,08
